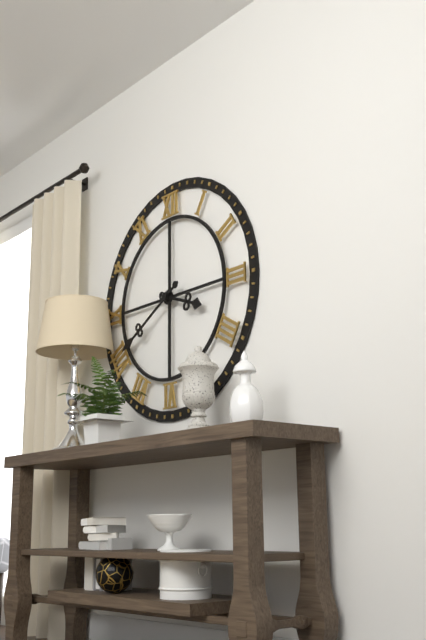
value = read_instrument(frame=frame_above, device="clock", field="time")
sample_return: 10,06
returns 3,40
